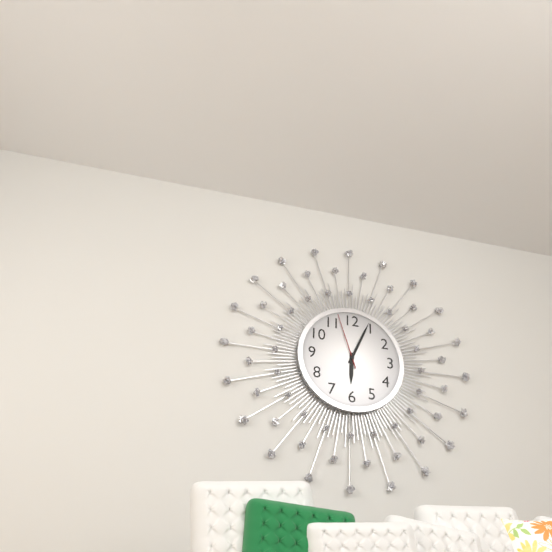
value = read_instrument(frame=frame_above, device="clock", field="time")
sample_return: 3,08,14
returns 6,04,57
